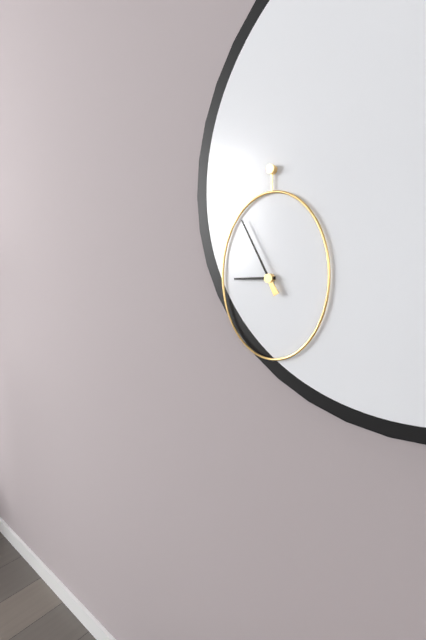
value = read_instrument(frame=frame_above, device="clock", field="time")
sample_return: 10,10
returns 8,55
